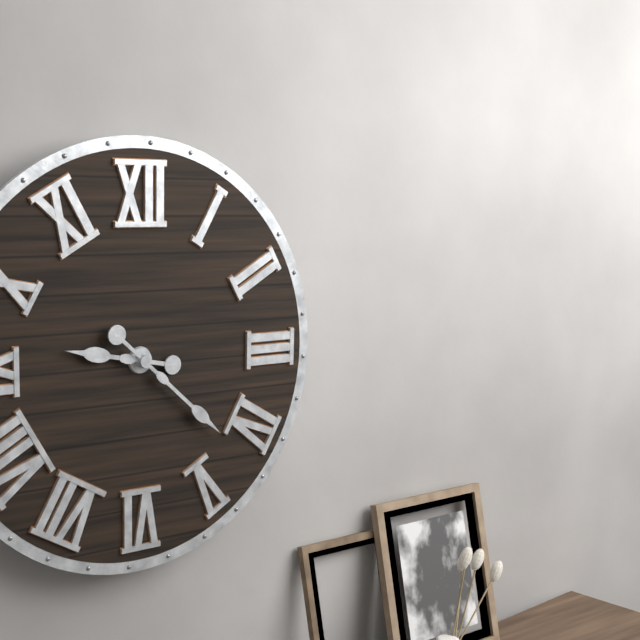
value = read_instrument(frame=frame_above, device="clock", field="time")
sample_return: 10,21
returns 9,22
